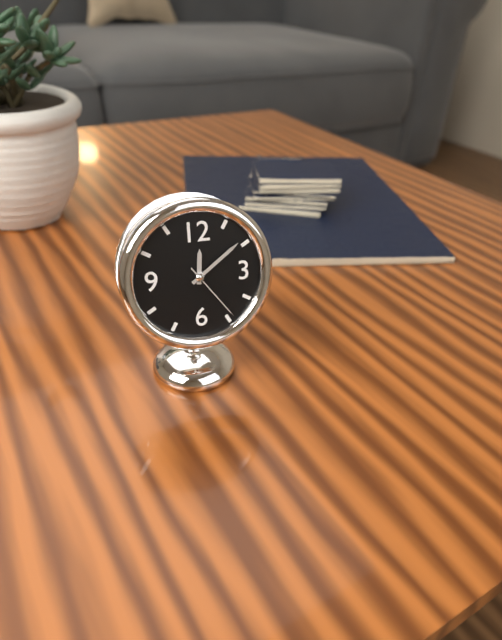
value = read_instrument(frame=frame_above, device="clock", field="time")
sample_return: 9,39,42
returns 12,09,24
